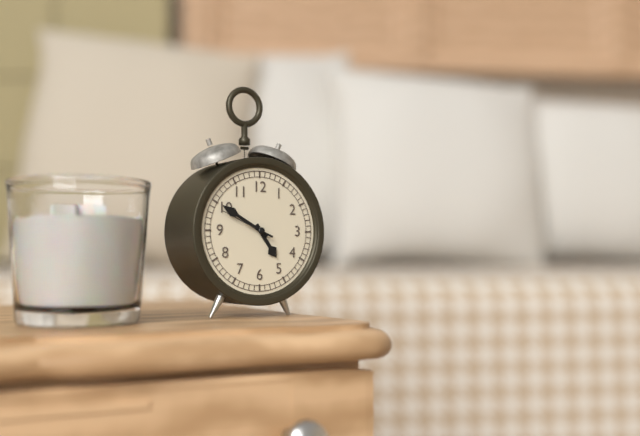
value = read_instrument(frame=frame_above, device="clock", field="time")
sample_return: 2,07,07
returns 4,50,49
